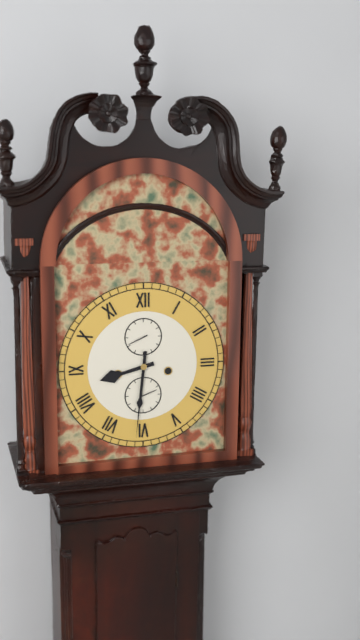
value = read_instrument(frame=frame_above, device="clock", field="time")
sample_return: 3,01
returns 8,31
